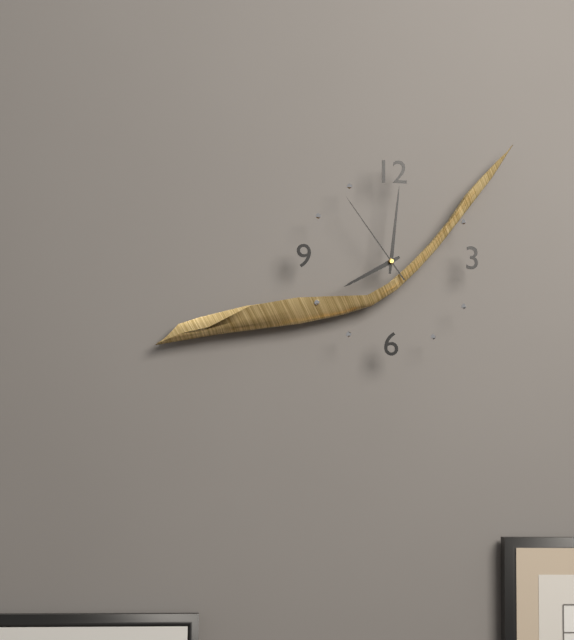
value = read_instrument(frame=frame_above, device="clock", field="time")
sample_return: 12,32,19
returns 8,01,54
